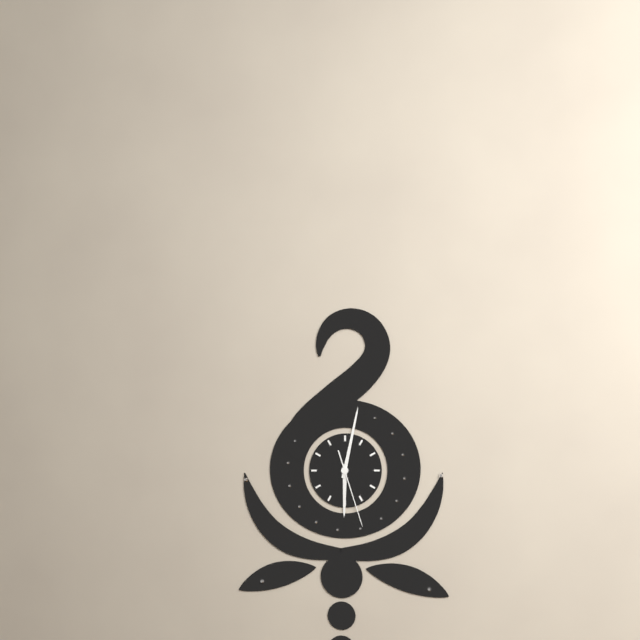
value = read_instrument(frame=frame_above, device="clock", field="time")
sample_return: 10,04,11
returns 6,02,27
